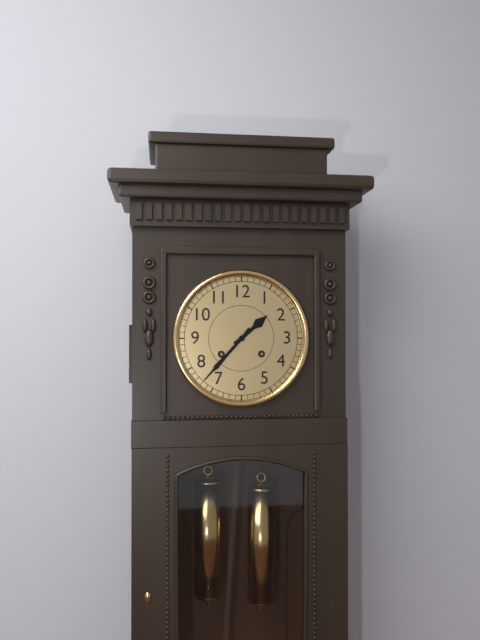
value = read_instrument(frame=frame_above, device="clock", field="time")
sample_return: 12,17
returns 1,37
